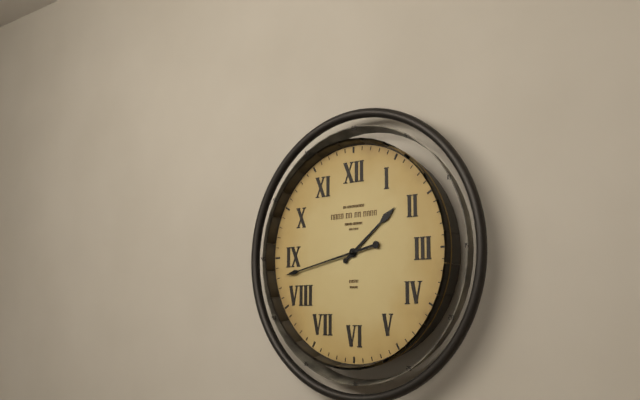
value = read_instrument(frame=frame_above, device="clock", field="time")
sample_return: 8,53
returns 1,43
